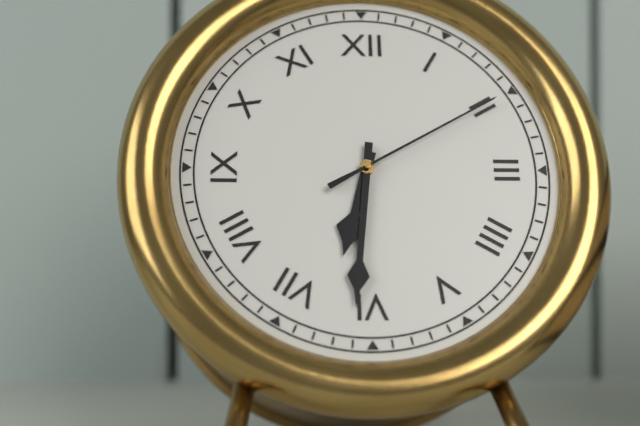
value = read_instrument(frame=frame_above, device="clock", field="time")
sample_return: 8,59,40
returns 6,31,10
